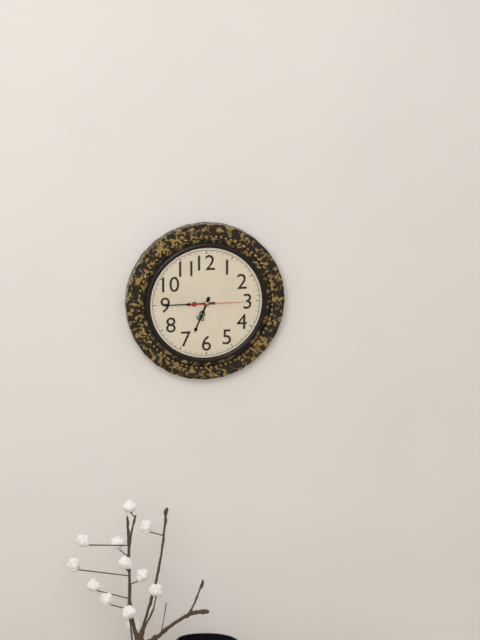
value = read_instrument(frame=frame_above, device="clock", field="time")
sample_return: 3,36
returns 6,45
